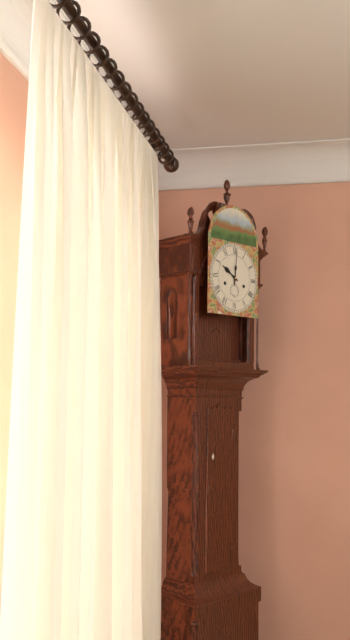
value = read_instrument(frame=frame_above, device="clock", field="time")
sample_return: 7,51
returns 10,01
